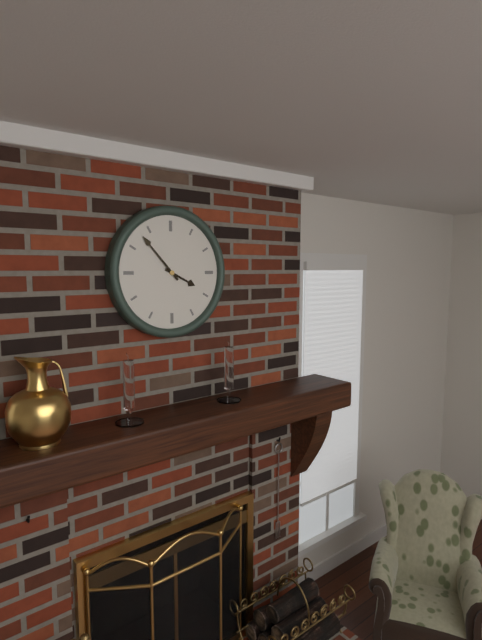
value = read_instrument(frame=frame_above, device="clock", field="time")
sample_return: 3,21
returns 3,53
